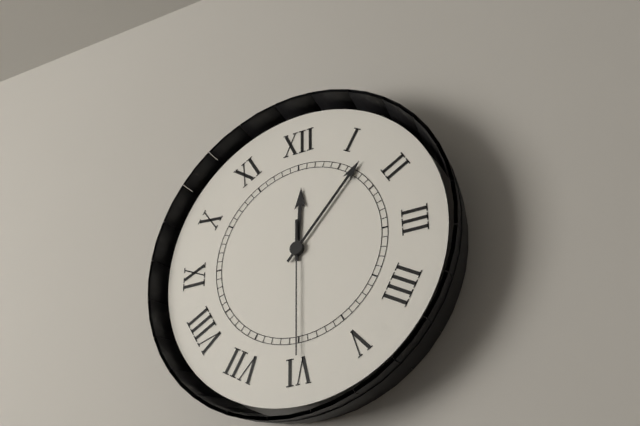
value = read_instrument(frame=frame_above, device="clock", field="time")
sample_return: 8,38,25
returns 12,07,30
